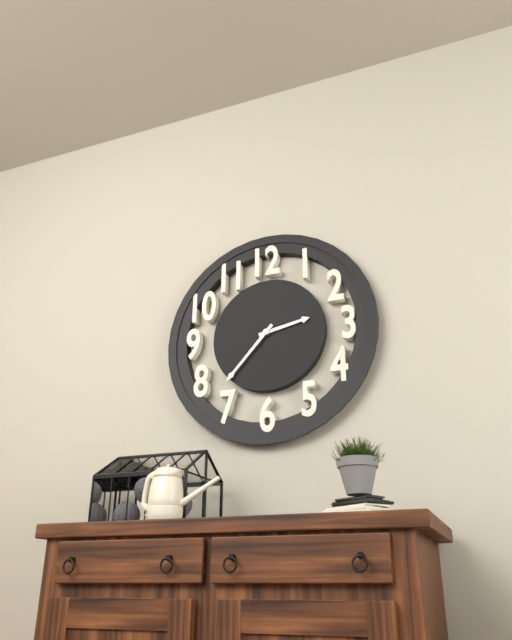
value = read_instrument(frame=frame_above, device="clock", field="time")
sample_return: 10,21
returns 2,37
